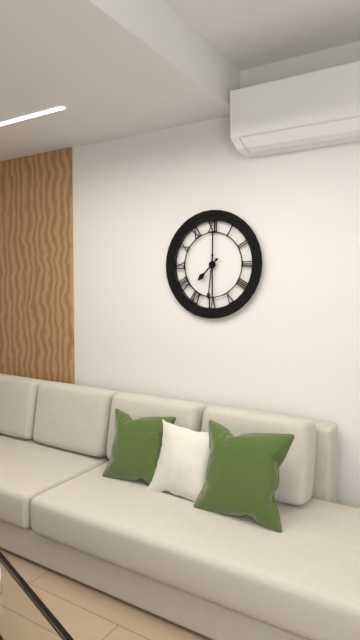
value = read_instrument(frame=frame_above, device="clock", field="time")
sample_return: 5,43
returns 7,31
